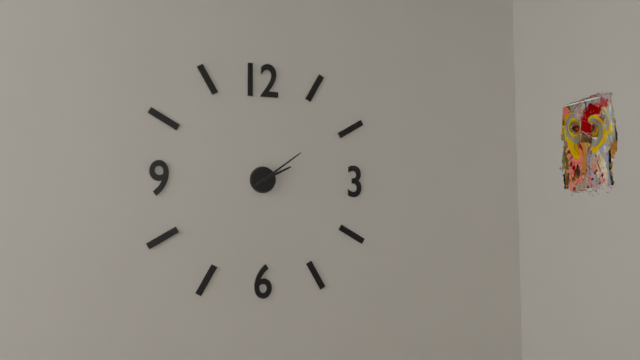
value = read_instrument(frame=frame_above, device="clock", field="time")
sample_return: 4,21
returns 2,09
